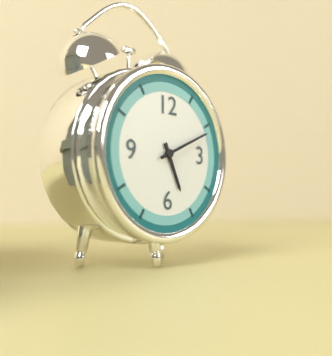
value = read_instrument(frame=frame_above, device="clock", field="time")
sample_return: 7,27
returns 5,11
